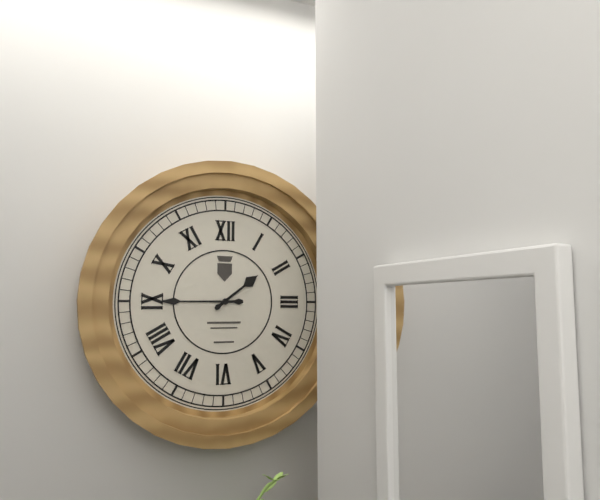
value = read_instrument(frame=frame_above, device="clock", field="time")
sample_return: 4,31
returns 1,45
